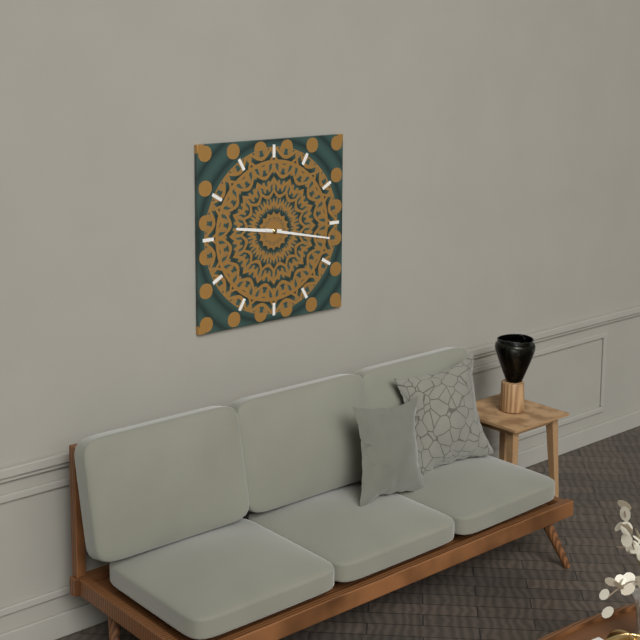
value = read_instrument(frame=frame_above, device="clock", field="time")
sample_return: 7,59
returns 9,17
